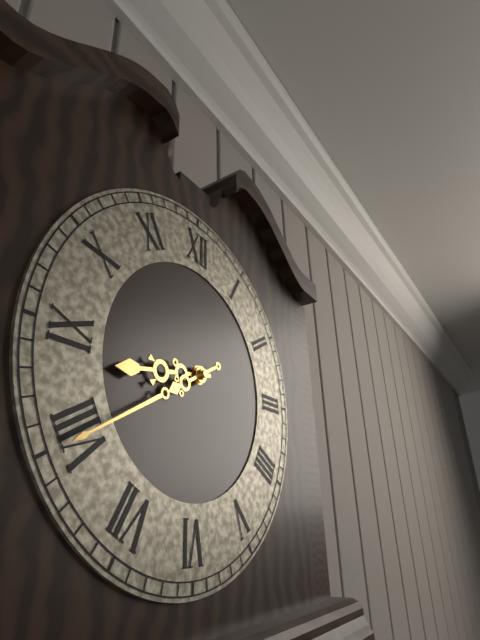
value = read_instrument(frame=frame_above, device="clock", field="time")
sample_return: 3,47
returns 8,40
